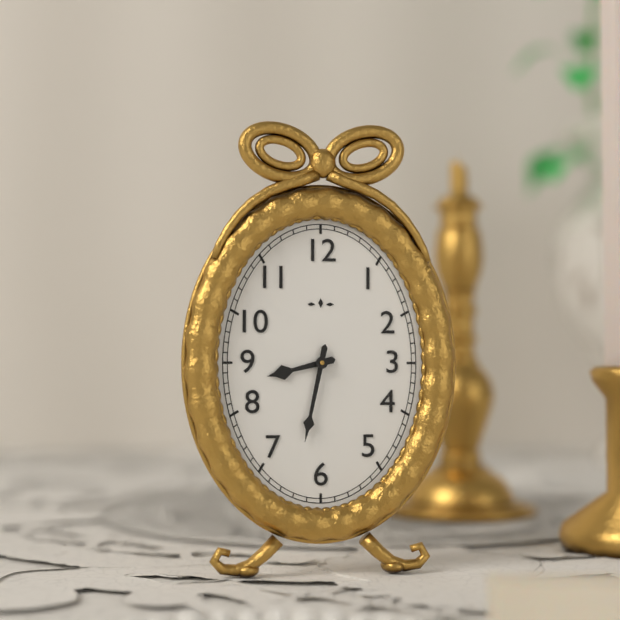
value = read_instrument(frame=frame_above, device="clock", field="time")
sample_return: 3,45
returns 8,32
